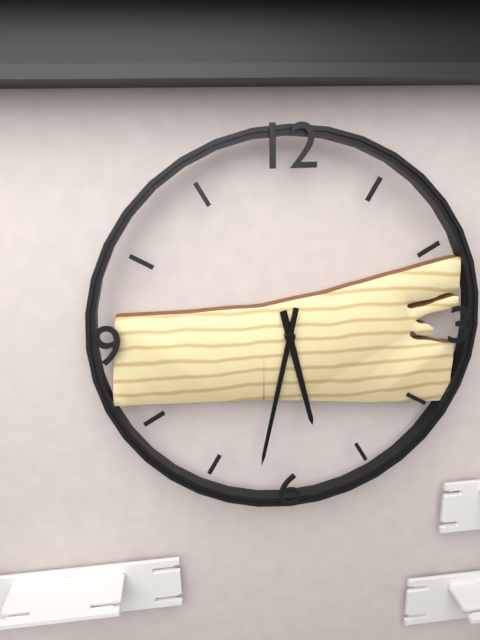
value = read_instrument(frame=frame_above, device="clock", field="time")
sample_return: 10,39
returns 5,32
